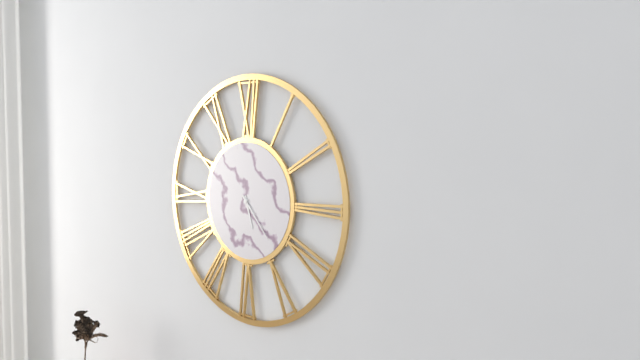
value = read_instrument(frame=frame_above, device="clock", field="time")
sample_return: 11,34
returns 5,23
